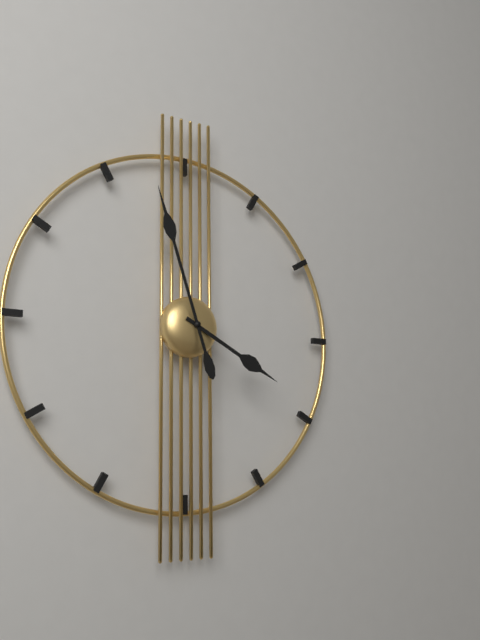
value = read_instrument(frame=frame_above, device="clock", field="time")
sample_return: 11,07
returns 3,57
